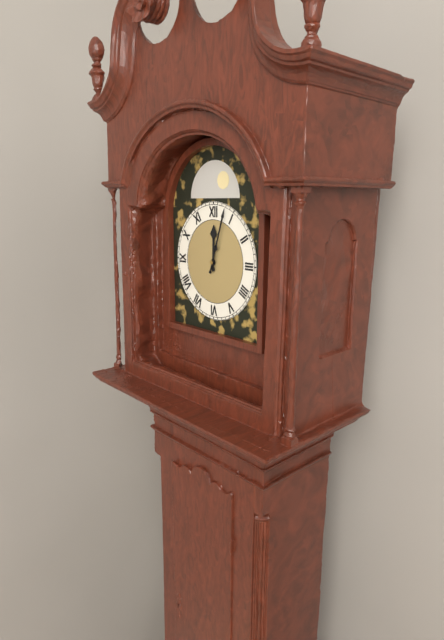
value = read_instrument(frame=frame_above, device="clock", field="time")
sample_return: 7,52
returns 12,03
